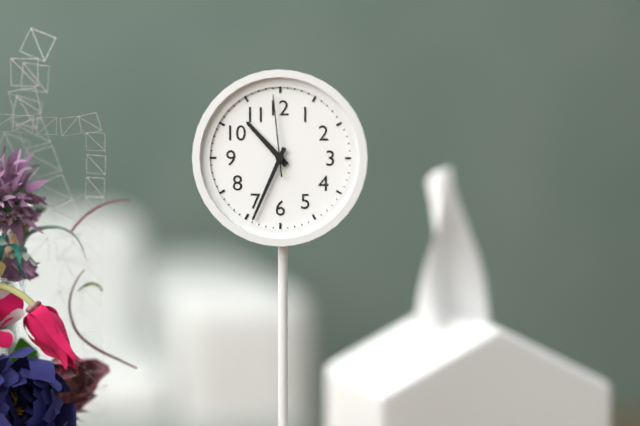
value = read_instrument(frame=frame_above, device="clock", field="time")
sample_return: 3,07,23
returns 10,34,59
